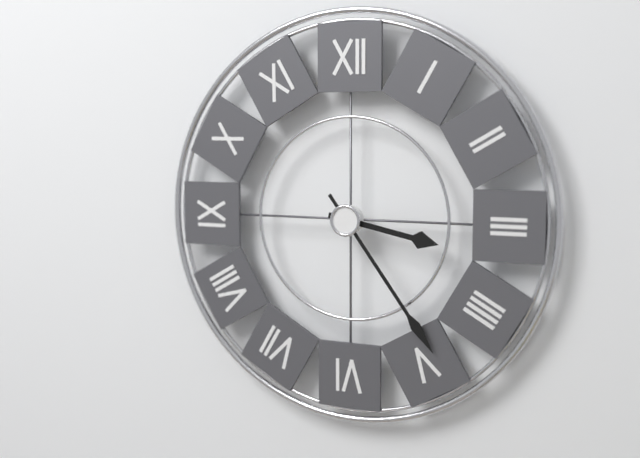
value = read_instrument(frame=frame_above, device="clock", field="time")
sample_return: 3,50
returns 3,24
